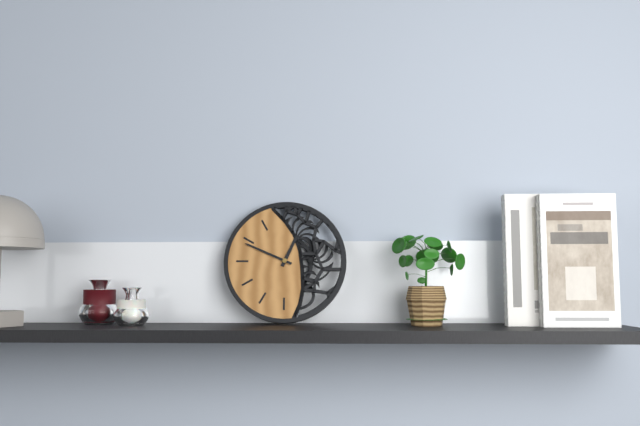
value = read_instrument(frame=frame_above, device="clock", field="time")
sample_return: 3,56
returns 12,49
